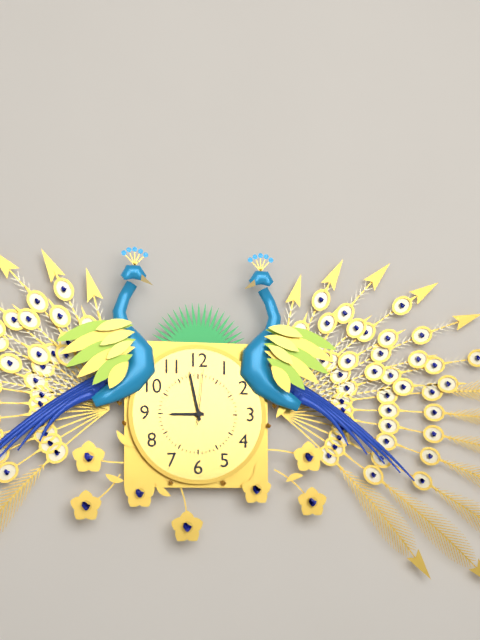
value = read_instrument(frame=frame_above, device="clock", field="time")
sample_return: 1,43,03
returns 8,58,01
